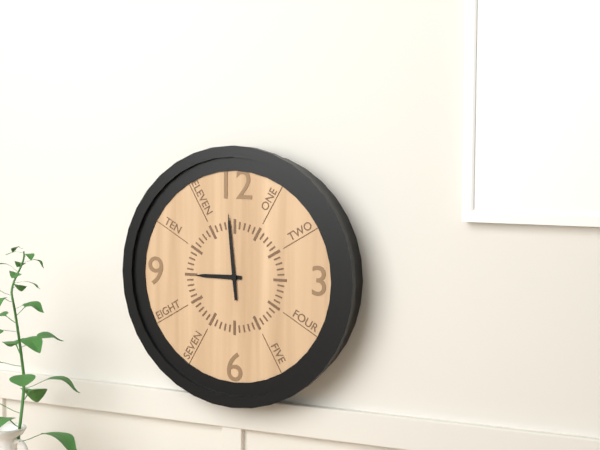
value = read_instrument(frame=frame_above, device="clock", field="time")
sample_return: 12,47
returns 8,59
